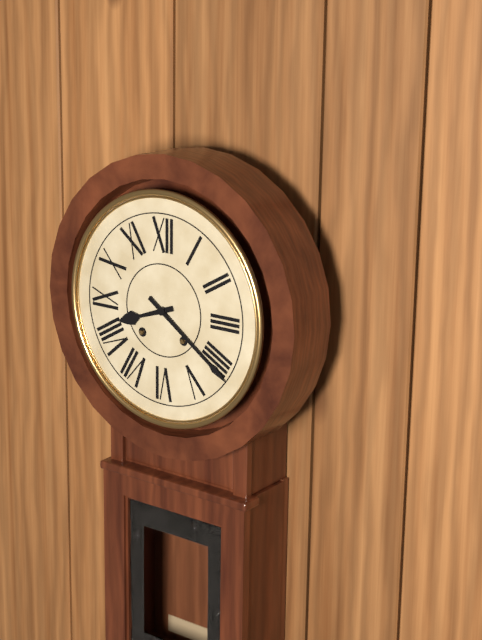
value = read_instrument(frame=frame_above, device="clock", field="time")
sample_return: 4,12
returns 8,21
